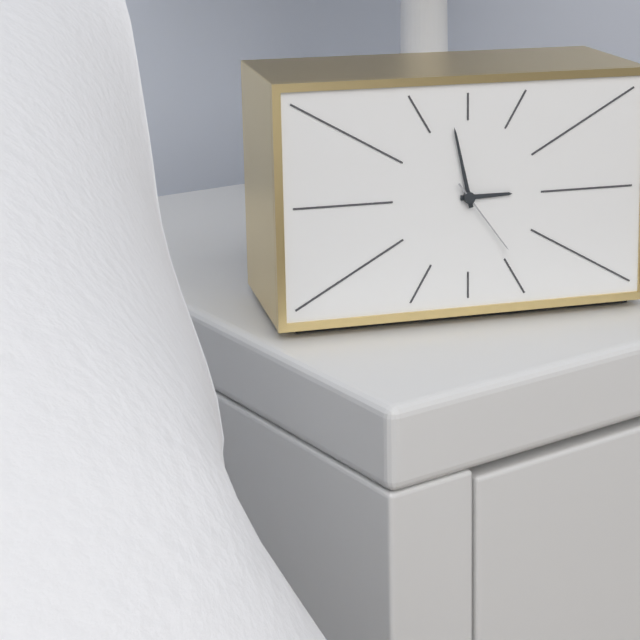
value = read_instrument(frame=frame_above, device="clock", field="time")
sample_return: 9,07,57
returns 2,58,24
